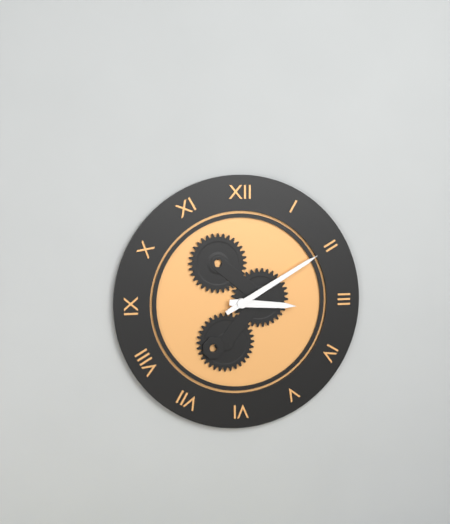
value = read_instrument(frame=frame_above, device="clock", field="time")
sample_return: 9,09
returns 3,10
